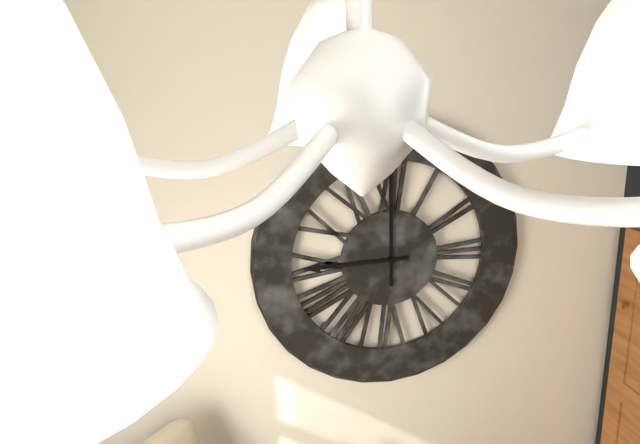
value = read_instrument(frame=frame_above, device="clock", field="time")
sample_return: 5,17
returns 9,00
